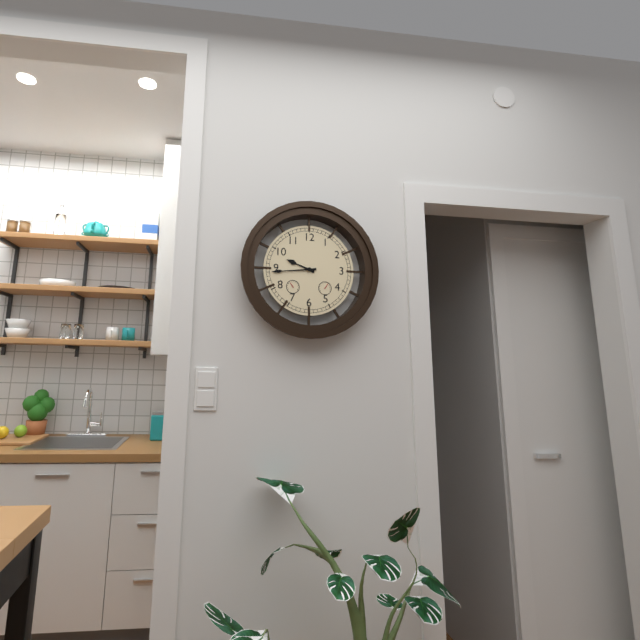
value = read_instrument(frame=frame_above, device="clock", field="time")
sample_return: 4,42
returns 9,44
